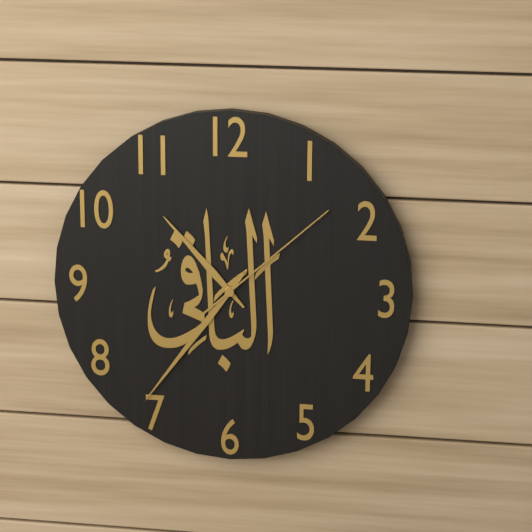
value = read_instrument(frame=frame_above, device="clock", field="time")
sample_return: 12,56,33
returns 10,36,08
